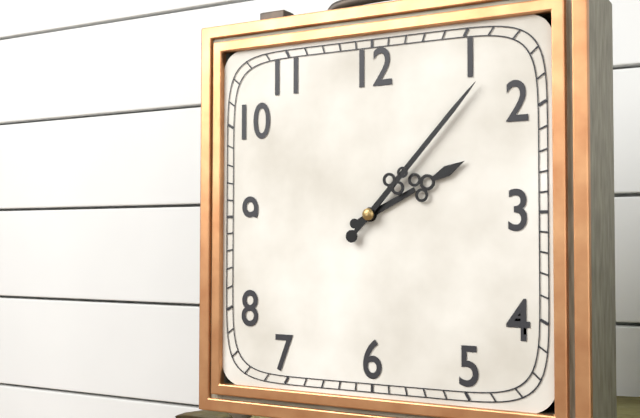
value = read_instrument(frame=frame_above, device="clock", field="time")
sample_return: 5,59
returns 2,07
